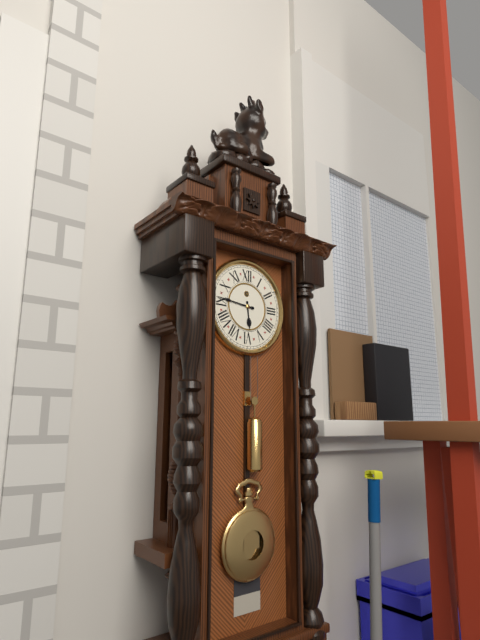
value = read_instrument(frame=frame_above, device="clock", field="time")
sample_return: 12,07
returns 5,46
